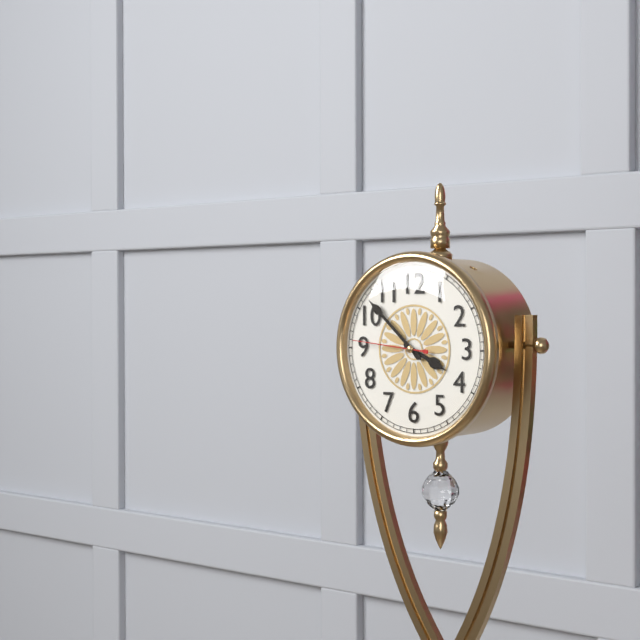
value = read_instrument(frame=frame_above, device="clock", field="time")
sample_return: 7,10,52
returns 3,52,46
